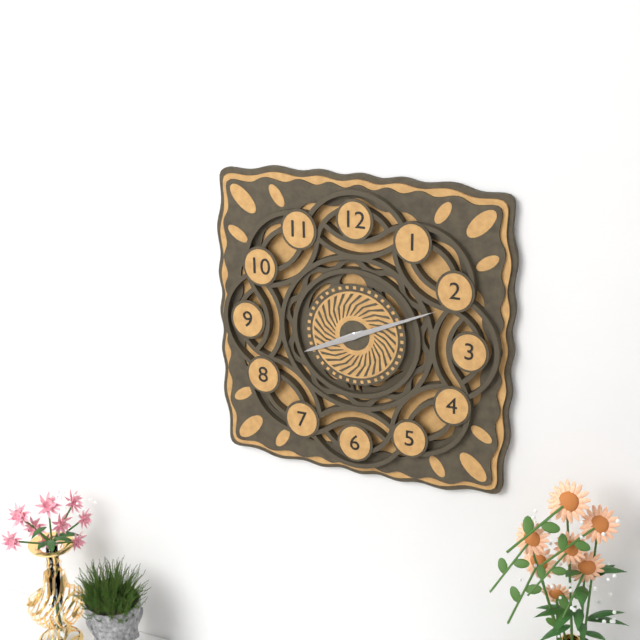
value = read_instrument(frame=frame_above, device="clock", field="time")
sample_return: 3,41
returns 8,11
